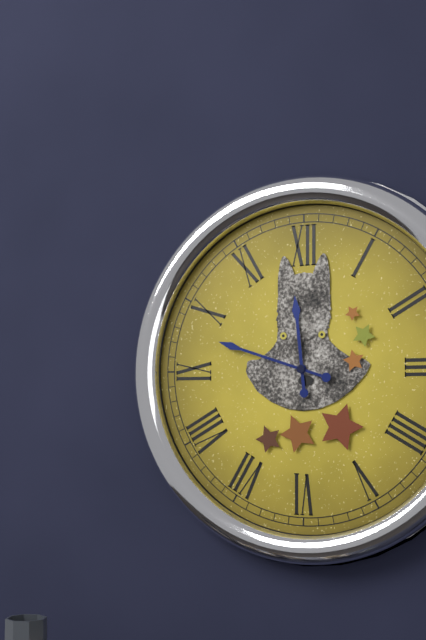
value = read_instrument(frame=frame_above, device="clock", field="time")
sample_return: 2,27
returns 11,48
